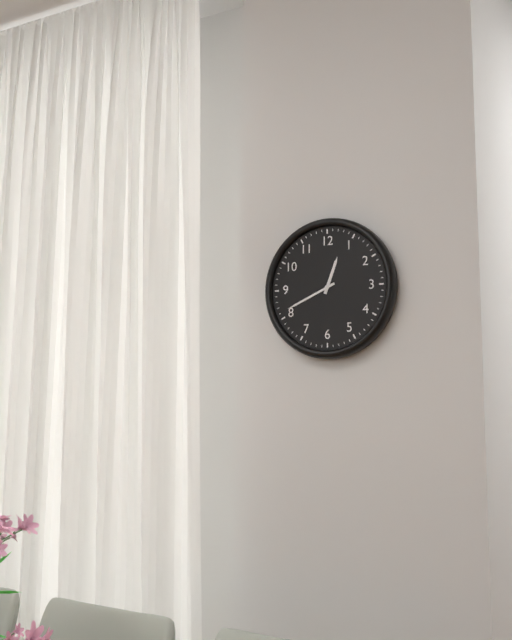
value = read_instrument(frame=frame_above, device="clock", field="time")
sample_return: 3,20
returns 12,41
